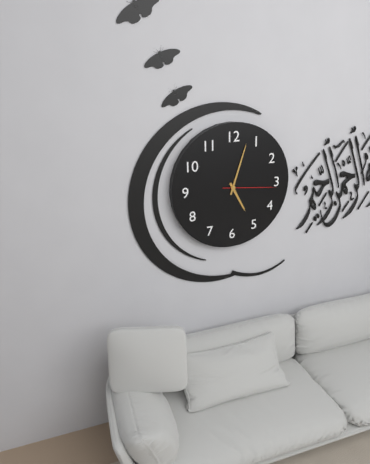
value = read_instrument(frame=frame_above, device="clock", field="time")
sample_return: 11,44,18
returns 5,03,16
